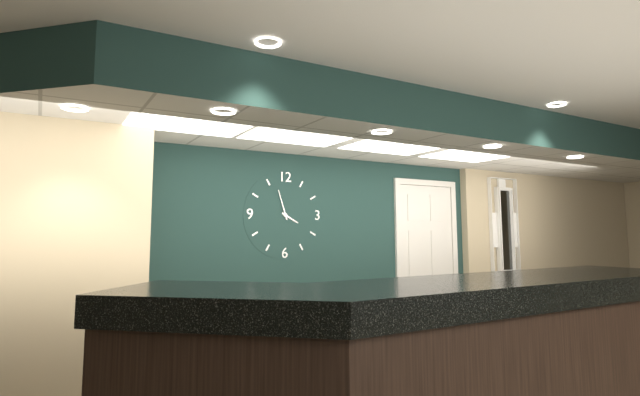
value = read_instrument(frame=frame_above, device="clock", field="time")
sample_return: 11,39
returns 3,57
